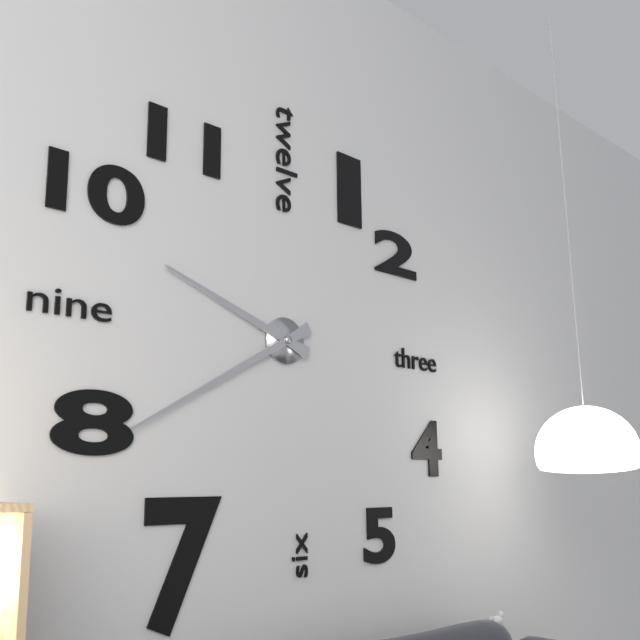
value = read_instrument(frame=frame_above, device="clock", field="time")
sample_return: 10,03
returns 9,40
